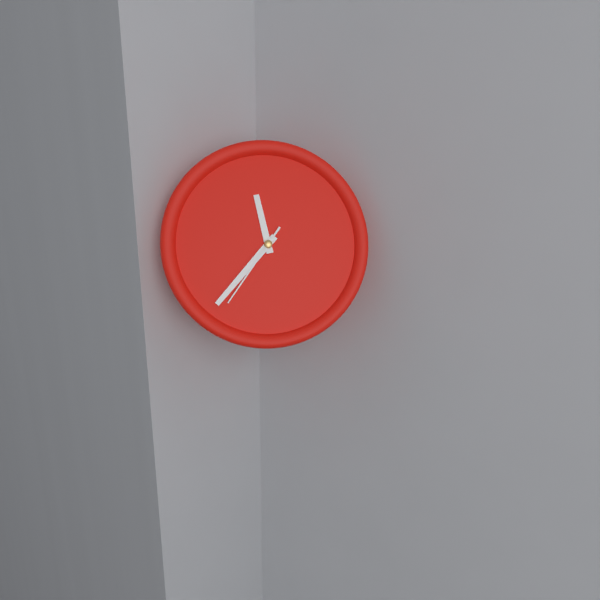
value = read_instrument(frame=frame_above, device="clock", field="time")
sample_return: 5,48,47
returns 11,37,36
